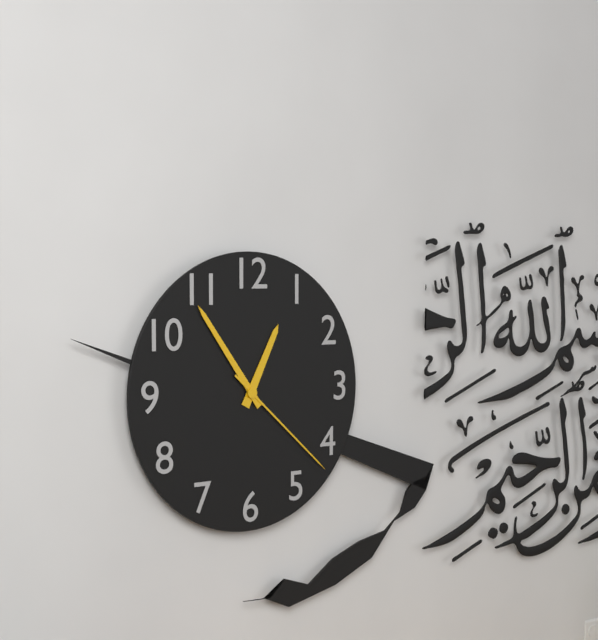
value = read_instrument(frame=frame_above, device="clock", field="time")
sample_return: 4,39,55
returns 12,54,22
